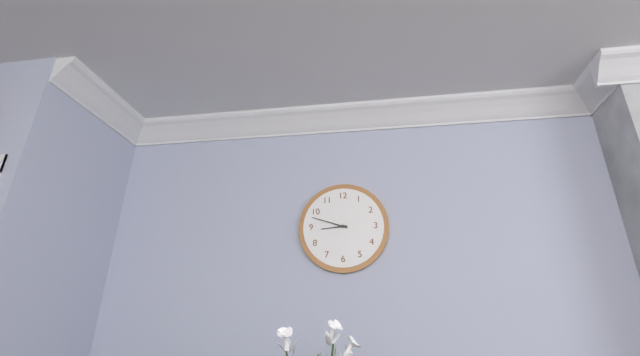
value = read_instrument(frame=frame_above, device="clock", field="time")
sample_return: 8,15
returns 8,48
